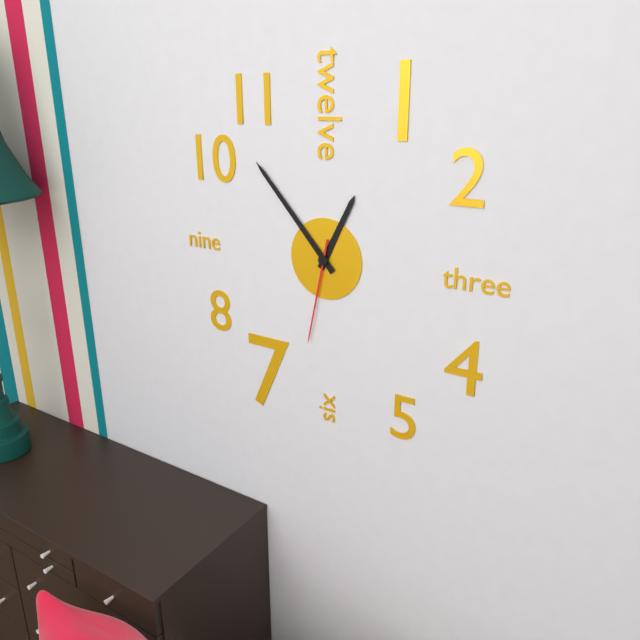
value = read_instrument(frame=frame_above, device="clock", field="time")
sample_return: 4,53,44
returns 12,53,32
